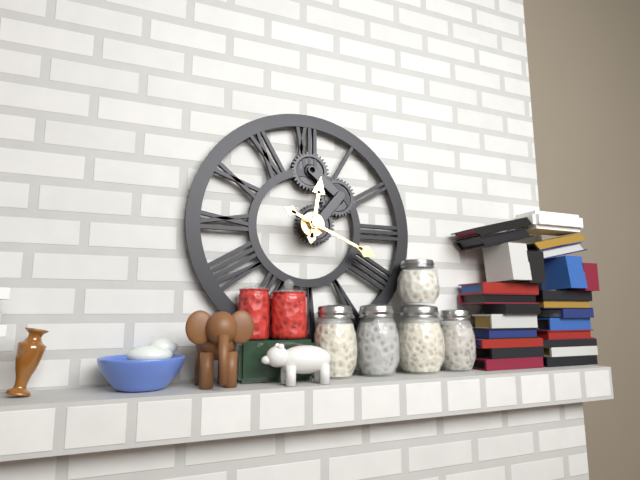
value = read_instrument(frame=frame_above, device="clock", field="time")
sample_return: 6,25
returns 12,19
